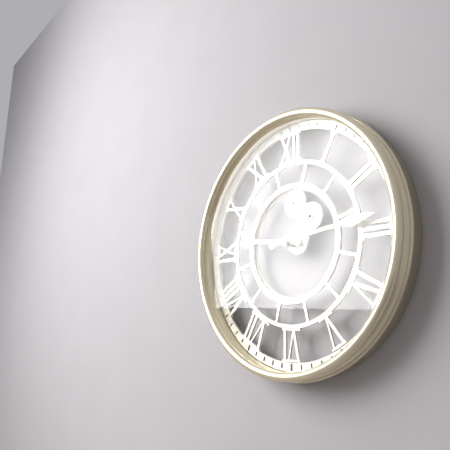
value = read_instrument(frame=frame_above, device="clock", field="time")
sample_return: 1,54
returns 9,14
